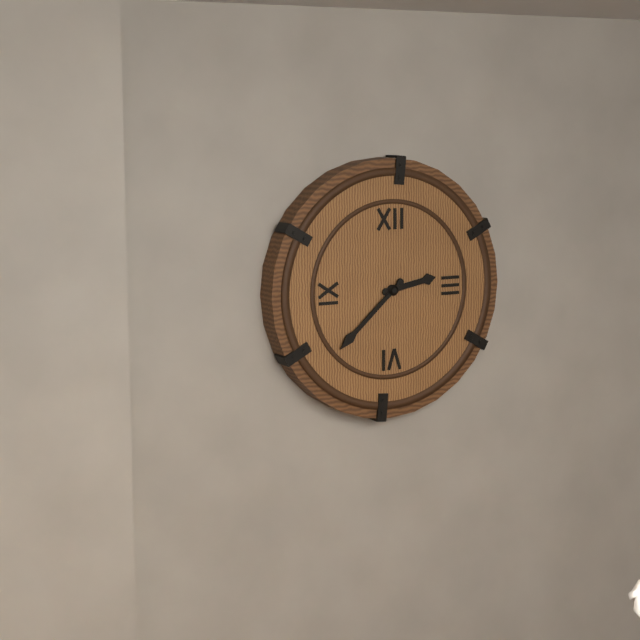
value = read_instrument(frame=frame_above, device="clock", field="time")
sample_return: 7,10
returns 2,38
